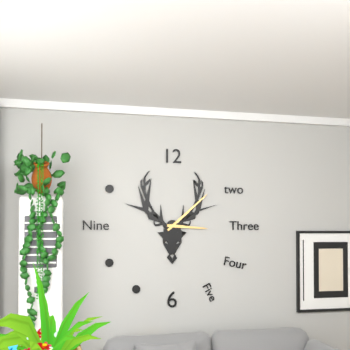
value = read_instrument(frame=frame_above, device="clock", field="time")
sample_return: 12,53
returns 3,08
